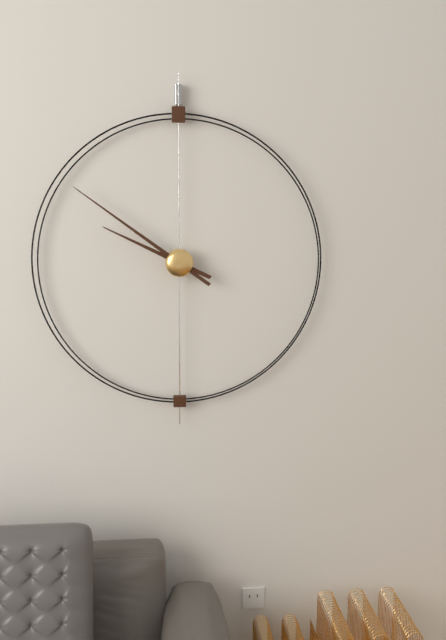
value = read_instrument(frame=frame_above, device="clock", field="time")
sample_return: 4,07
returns 9,51
